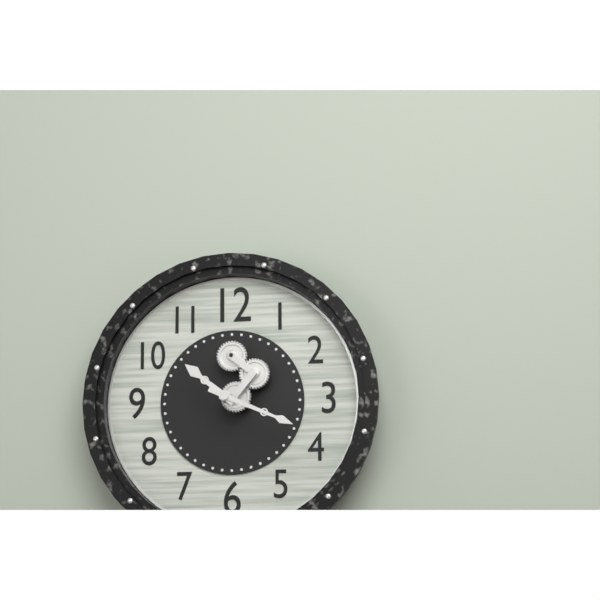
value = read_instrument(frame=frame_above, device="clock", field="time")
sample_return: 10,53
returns 10,19
